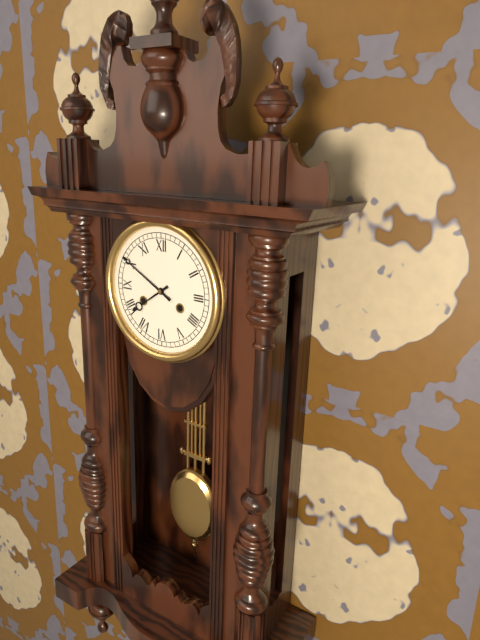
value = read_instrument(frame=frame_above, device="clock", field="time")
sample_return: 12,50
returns 7,50
